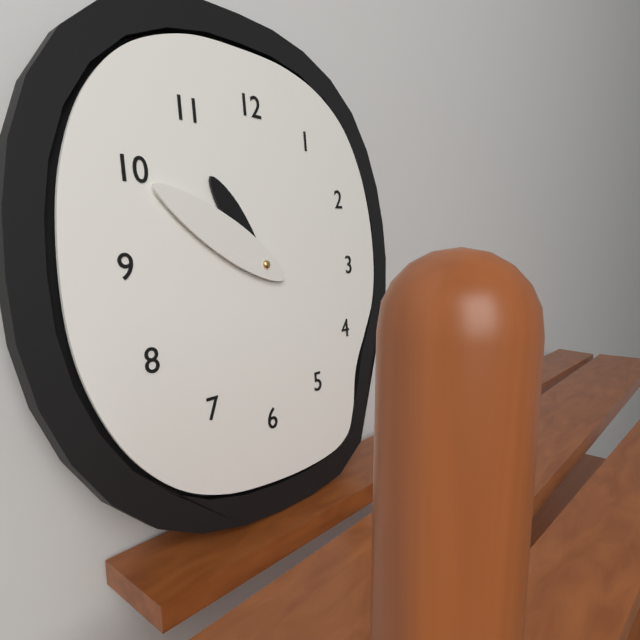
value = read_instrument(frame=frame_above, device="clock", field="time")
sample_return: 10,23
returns 10,50
